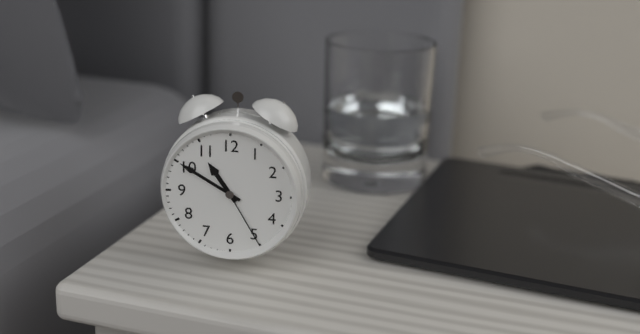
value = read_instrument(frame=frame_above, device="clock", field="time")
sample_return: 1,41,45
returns 10,50,25
